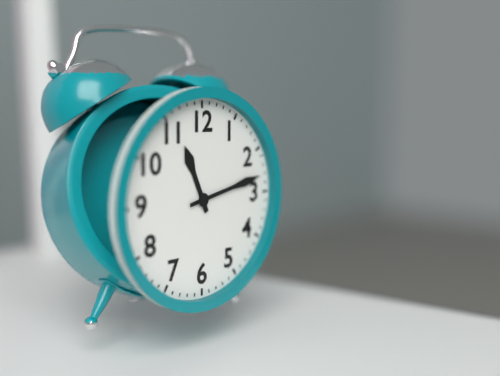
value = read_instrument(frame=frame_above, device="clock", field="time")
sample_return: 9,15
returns 11,13
